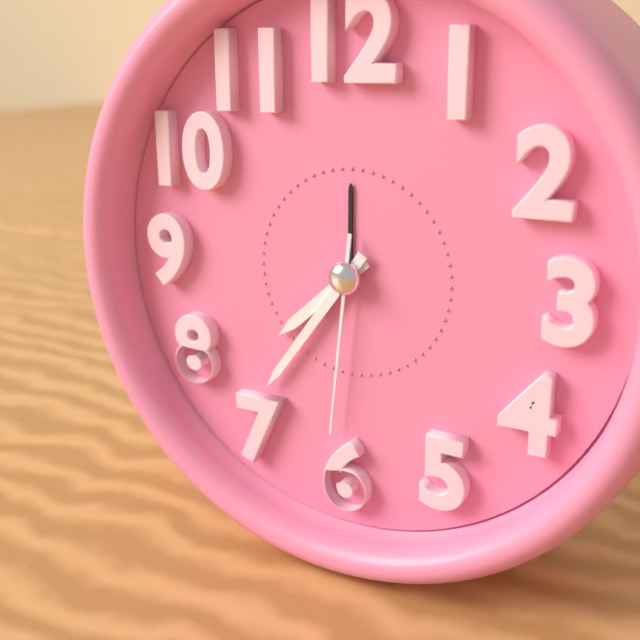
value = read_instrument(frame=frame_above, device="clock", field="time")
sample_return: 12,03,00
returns 7,36,31
